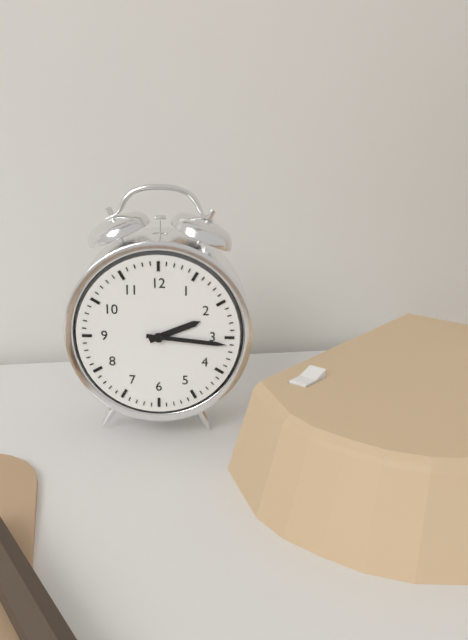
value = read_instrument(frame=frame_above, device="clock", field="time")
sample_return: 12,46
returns 2,16
